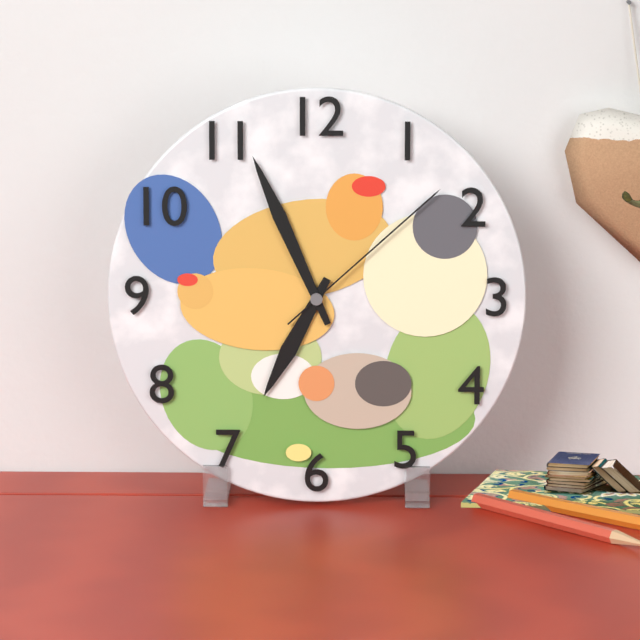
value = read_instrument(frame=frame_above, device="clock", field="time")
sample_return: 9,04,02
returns 6,56,08
